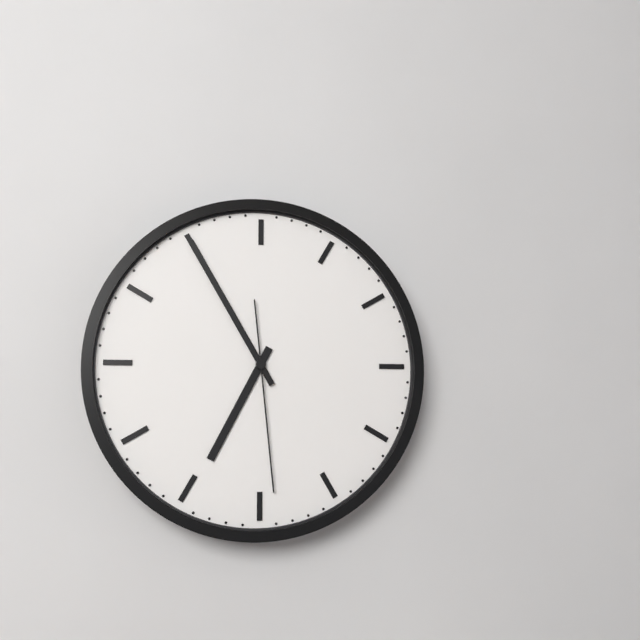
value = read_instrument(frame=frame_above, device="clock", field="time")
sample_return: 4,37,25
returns 6,55,29
